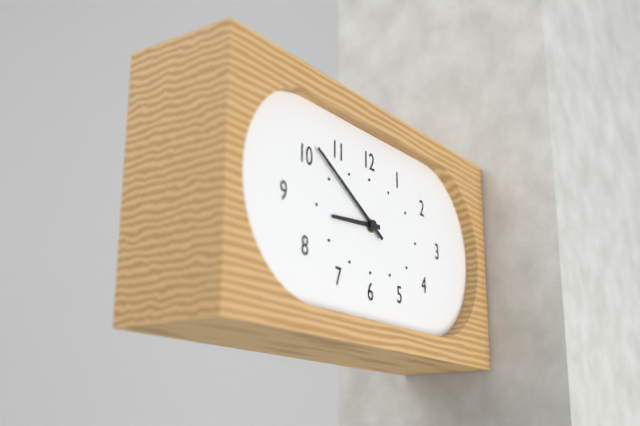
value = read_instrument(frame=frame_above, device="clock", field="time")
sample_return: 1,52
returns 8,50
